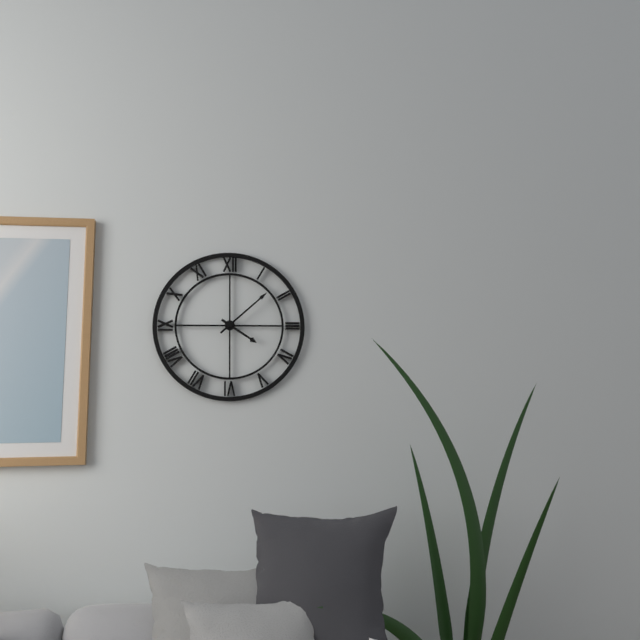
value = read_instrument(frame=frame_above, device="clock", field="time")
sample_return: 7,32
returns 4,08
